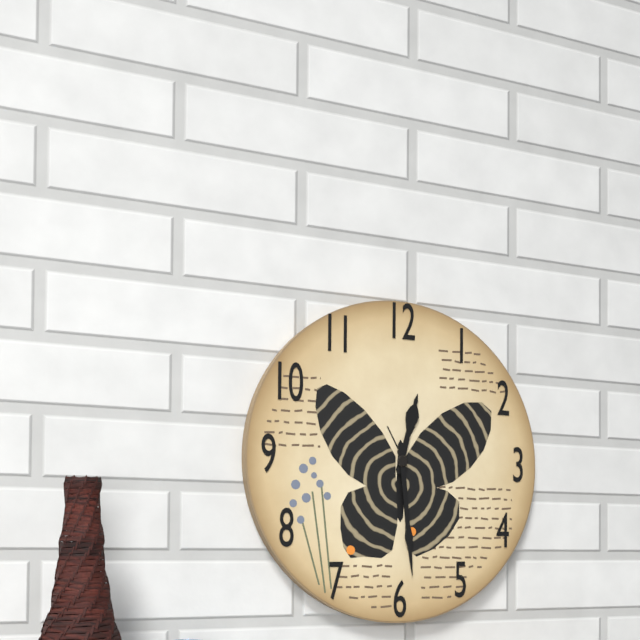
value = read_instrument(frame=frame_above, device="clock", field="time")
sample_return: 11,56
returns 12,29
